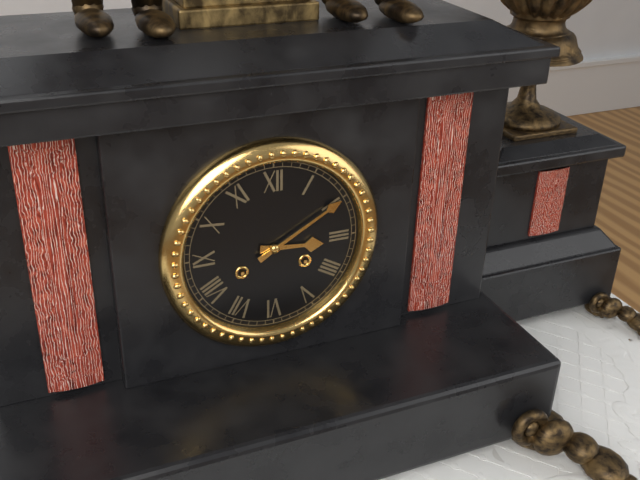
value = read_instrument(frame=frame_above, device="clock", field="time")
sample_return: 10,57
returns 3,10
